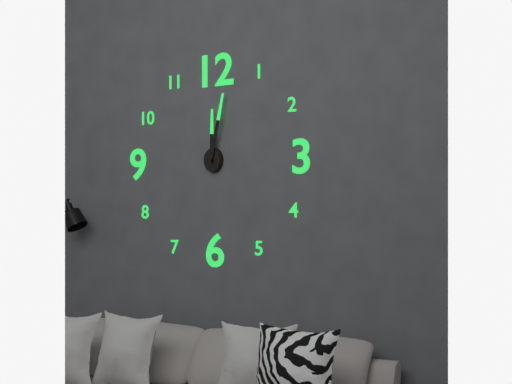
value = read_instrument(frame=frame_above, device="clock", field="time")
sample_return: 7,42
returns 12,02
